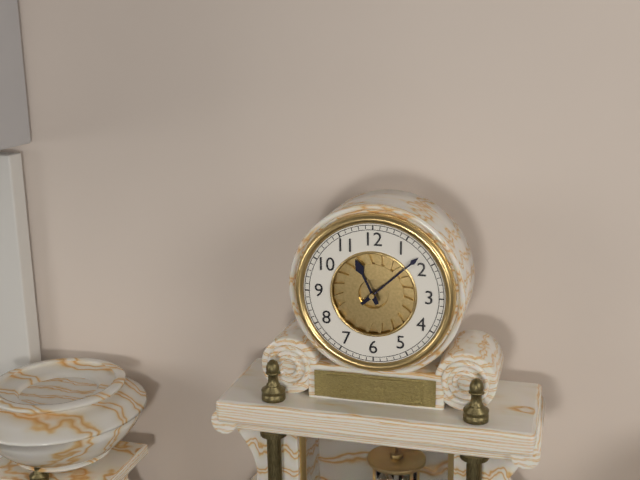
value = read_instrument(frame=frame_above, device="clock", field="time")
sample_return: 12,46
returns 11,08
